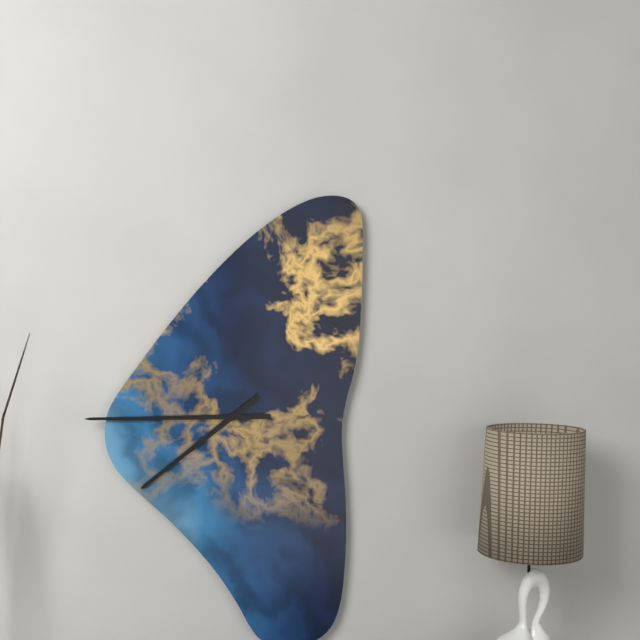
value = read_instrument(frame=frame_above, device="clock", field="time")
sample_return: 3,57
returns 7,45
